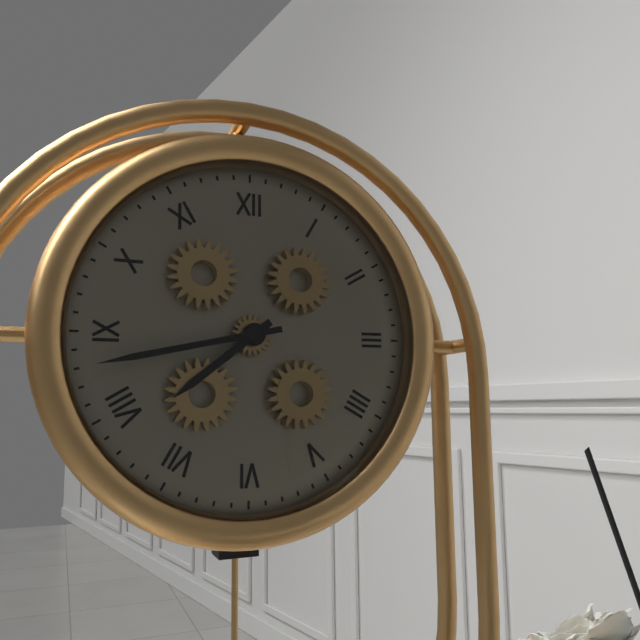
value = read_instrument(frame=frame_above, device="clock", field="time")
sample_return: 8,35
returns 7,43
